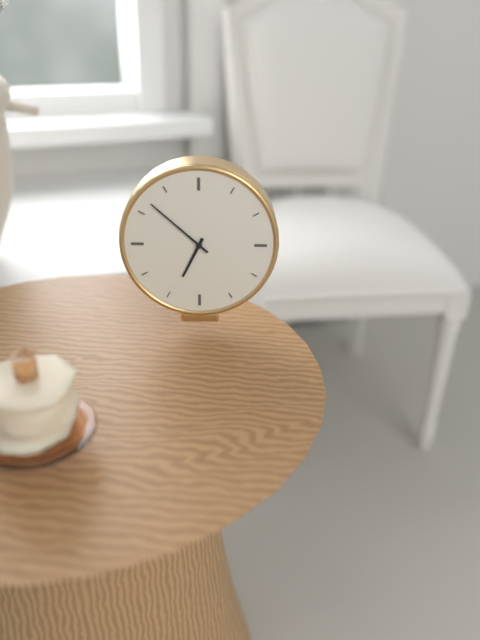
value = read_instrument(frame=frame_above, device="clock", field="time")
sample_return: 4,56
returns 6,52
